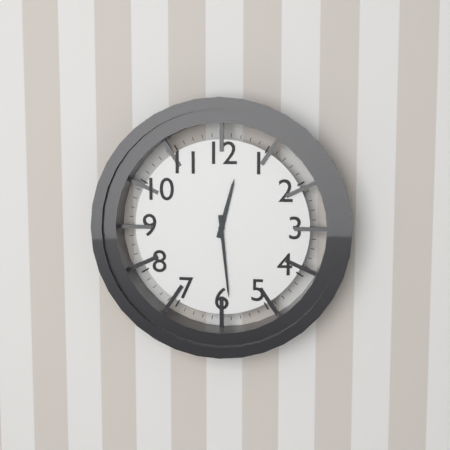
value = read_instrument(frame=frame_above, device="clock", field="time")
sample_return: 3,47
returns 12,29
